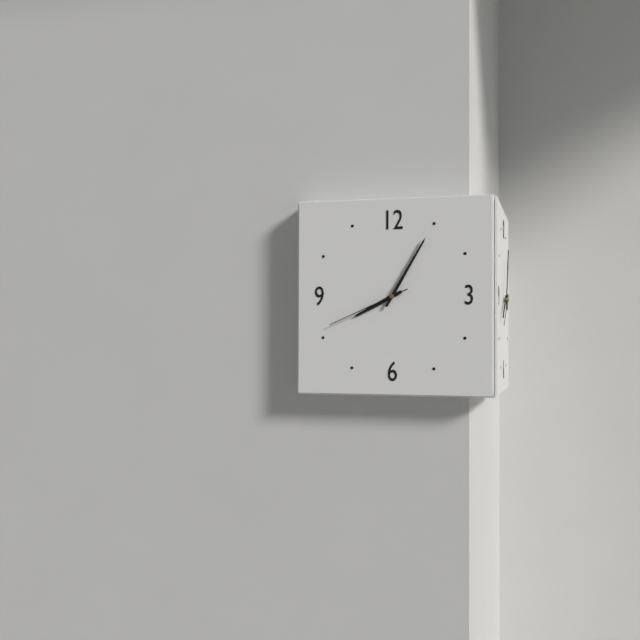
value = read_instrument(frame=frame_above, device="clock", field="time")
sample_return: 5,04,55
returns 8,05,41
